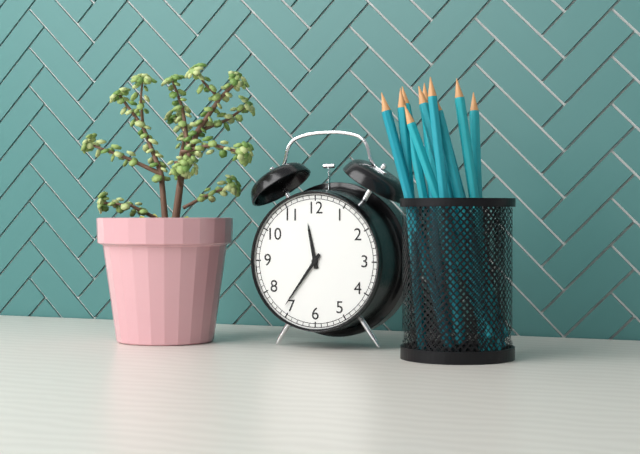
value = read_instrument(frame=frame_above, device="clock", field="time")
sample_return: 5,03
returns 11,36
